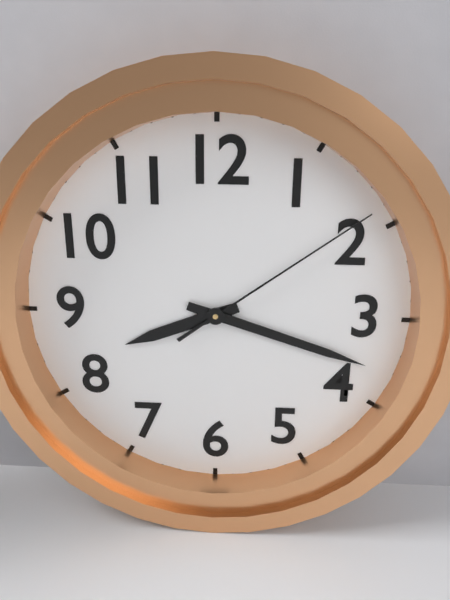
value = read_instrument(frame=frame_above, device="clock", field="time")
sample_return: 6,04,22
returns 8,18,09
